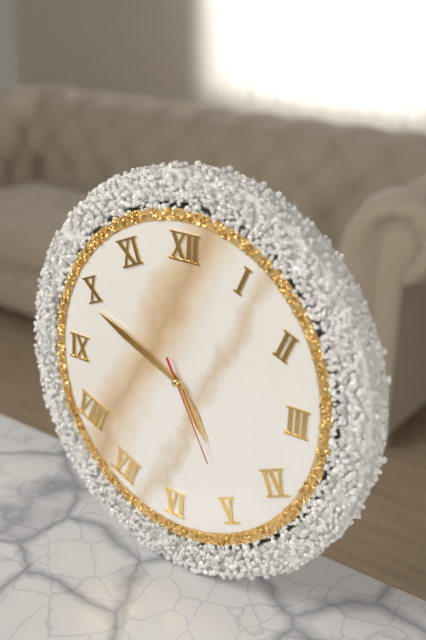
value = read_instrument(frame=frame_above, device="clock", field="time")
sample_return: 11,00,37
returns 4,49,25
